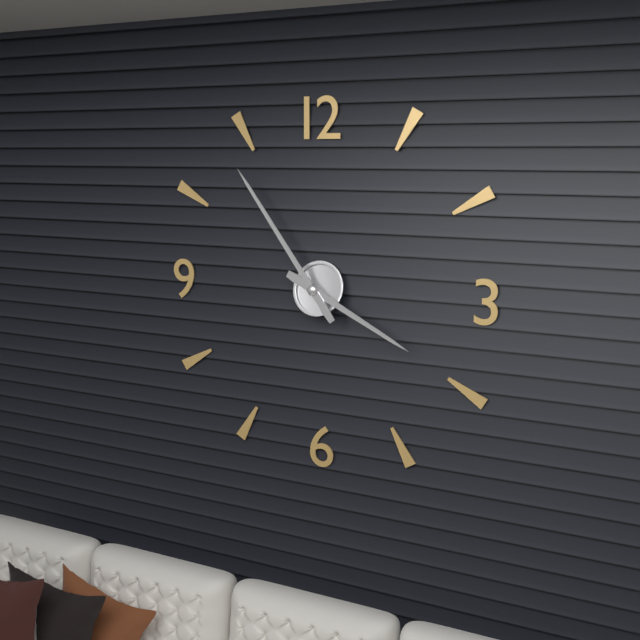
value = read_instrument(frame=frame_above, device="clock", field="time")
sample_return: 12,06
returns 3,54
